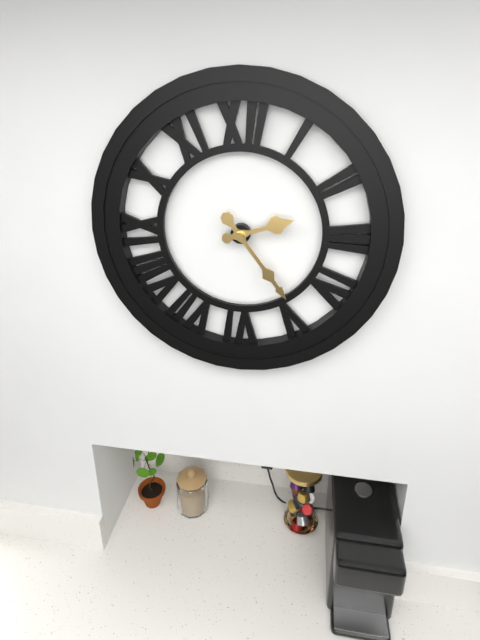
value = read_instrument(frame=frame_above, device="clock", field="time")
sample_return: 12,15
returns 2,24
